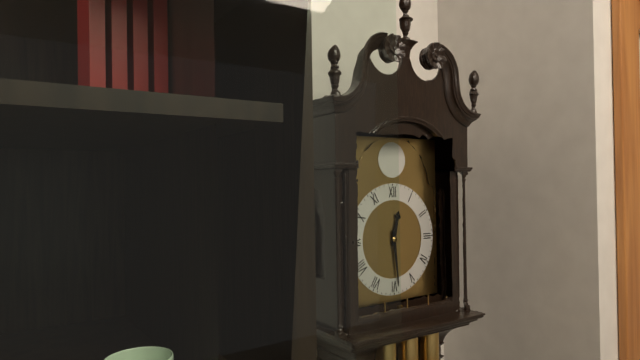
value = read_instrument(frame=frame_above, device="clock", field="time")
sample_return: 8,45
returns 12,29
